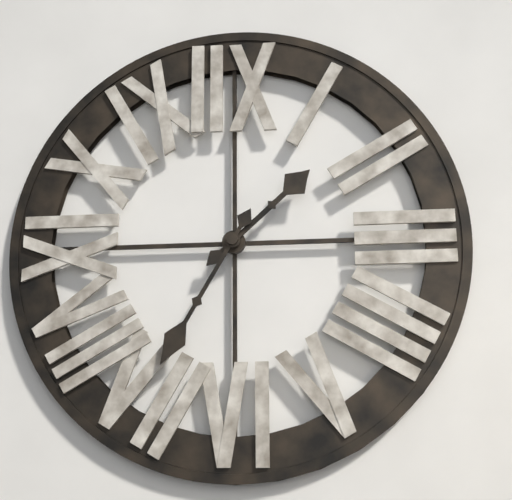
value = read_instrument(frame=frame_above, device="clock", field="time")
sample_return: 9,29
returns 1,35
